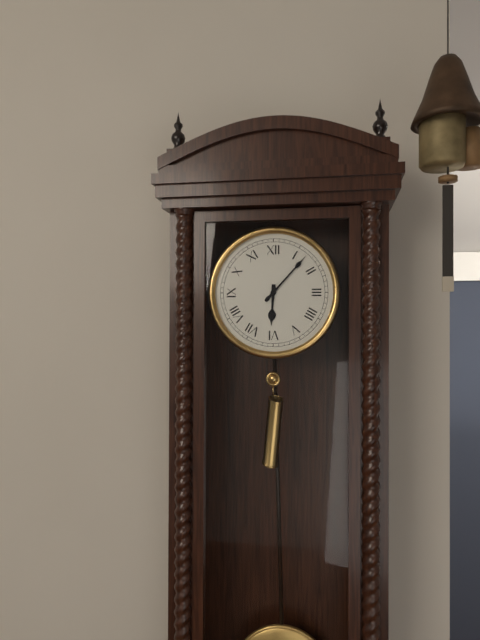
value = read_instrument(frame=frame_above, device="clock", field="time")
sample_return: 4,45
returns 6,07
